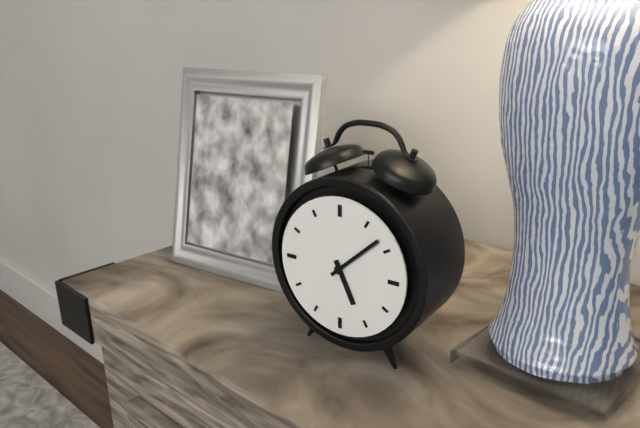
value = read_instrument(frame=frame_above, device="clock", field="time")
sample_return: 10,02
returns 5,08
